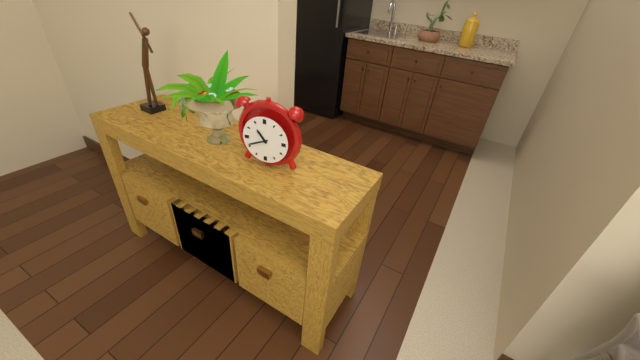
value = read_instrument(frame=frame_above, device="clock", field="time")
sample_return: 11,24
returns 10,41
